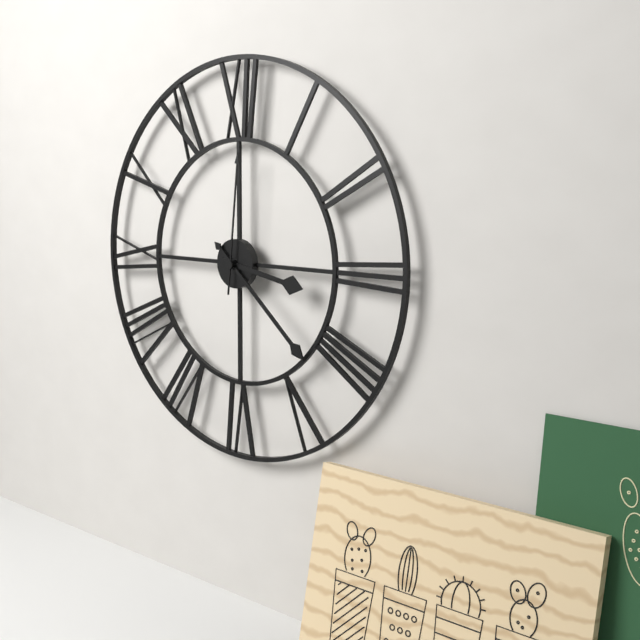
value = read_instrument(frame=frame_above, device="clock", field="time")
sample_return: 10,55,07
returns 3,22,01
